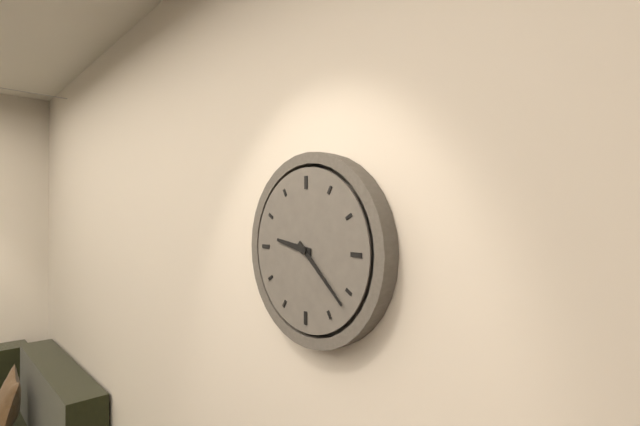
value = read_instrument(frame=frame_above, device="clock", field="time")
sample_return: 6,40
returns 9,22
